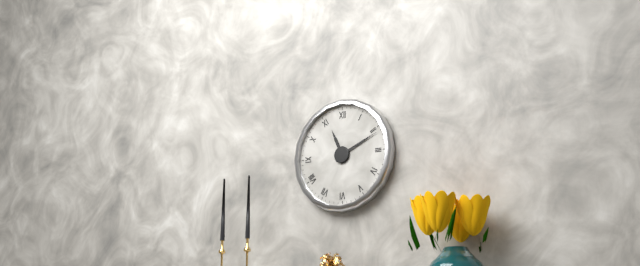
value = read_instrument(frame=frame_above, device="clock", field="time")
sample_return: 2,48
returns 11,11
